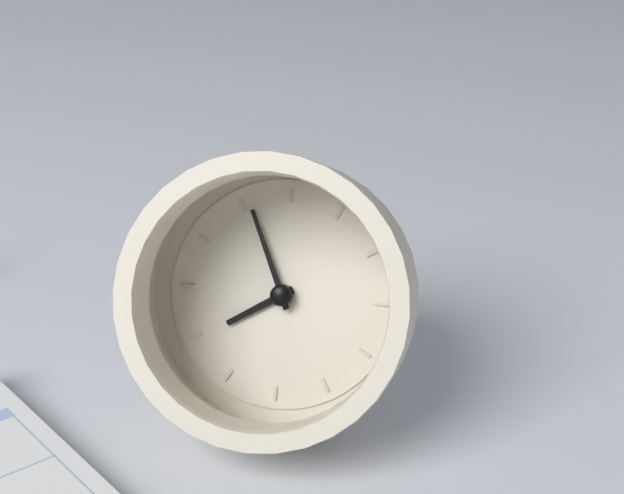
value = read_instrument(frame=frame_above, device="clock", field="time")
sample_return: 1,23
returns 7,56
